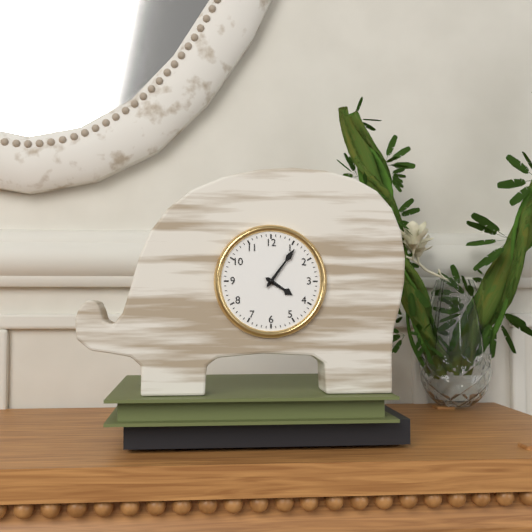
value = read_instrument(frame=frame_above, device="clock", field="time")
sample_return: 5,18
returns 4,06
